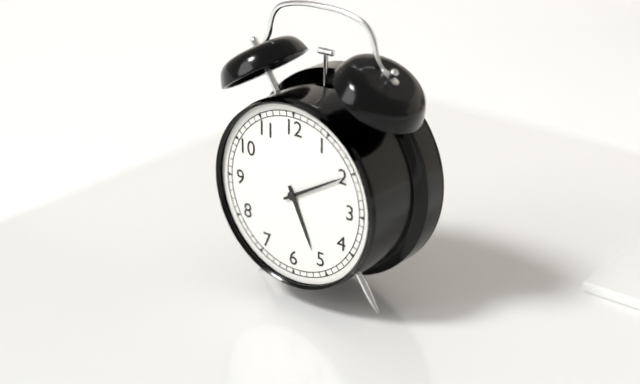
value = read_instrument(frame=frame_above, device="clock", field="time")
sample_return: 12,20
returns 5,10
